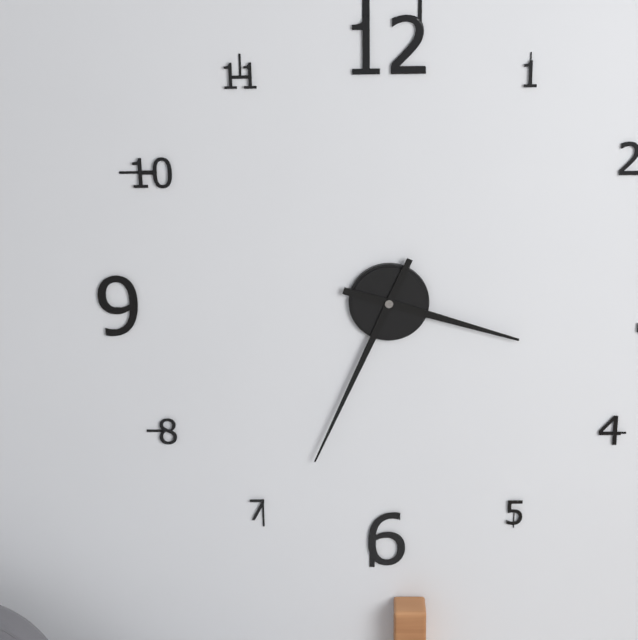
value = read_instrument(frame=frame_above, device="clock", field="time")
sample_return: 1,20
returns 3,34
